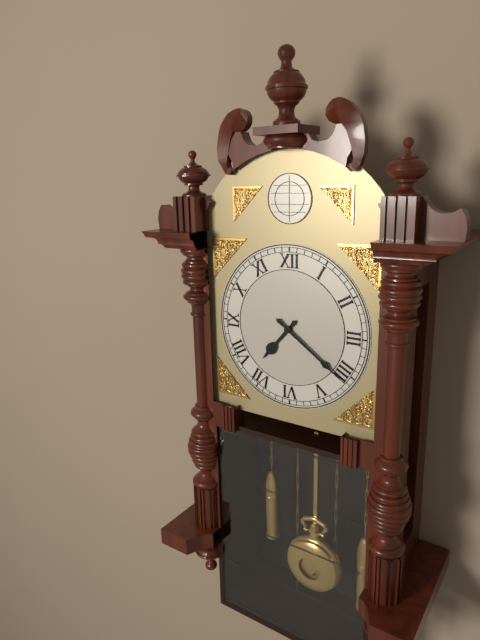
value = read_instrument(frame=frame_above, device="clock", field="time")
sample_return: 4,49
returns 7,21
